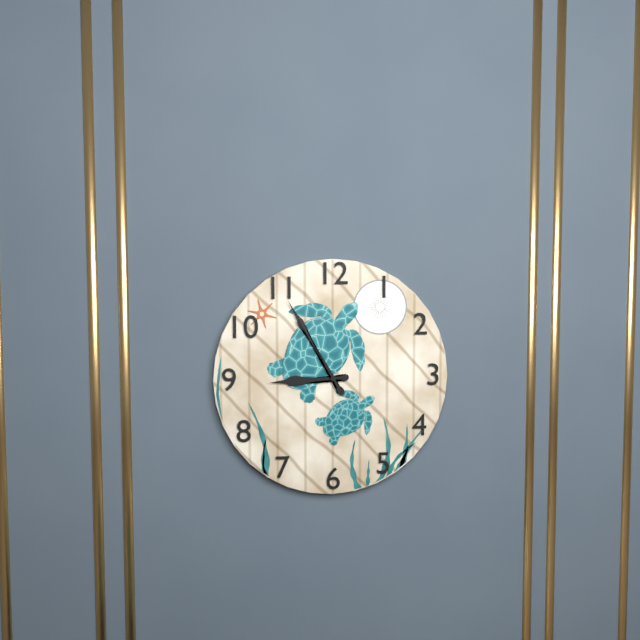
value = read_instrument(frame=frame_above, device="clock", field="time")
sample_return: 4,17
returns 8,55
